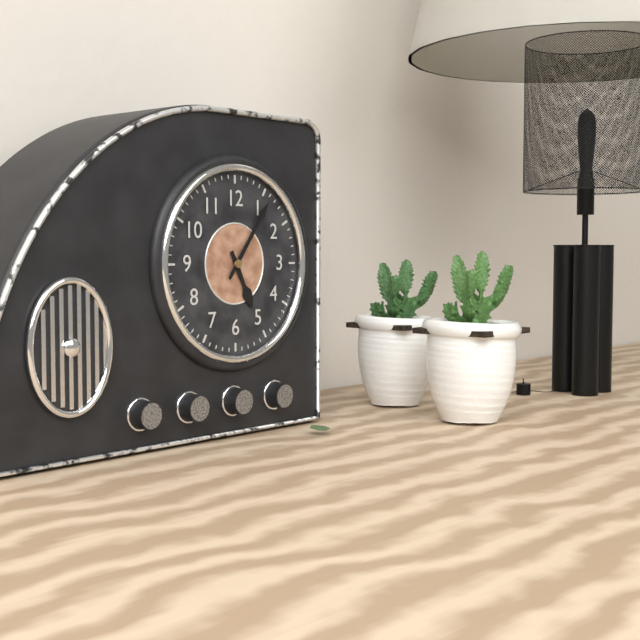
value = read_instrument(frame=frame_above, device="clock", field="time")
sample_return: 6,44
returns 5,06
